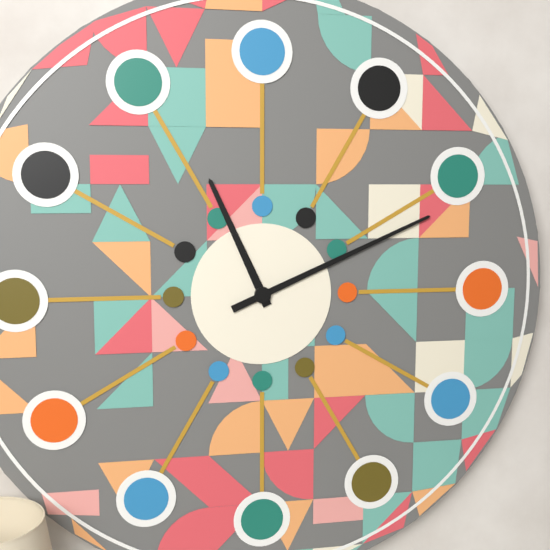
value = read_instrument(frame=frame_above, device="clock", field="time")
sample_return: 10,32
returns 11,11
